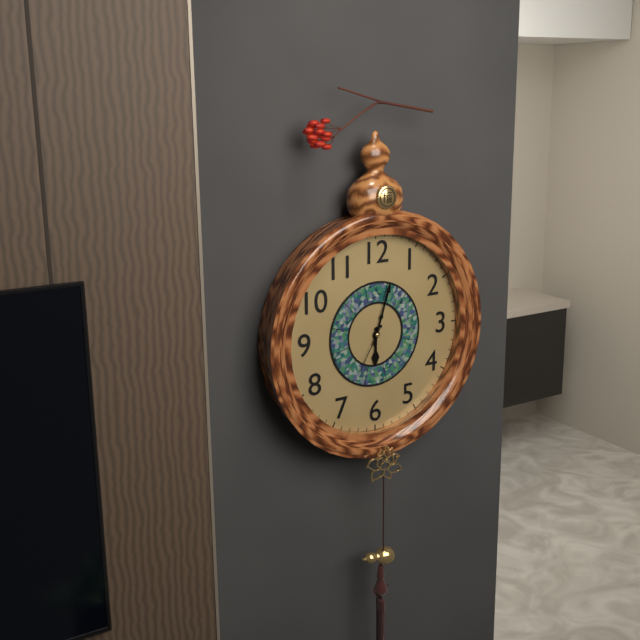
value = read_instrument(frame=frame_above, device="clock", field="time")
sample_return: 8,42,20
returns 6,03,35
